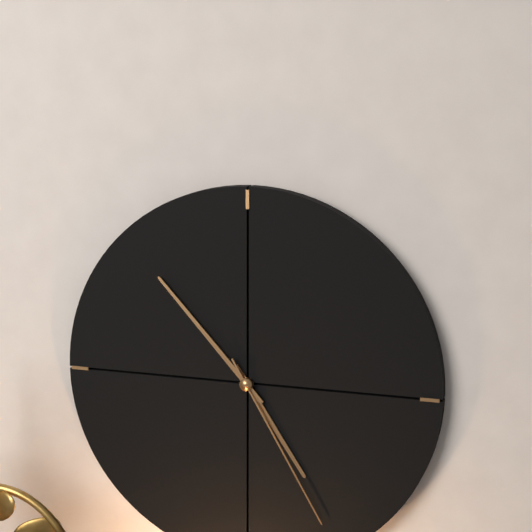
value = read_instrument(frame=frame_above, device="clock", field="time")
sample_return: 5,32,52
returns 4,53,25
